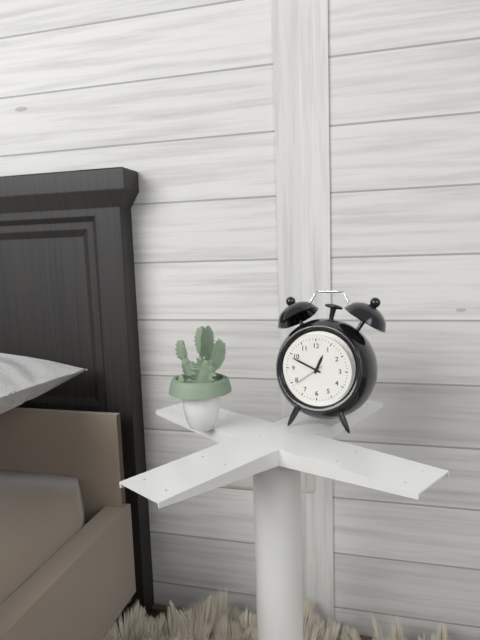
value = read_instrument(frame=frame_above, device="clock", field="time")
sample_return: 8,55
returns 12,49
